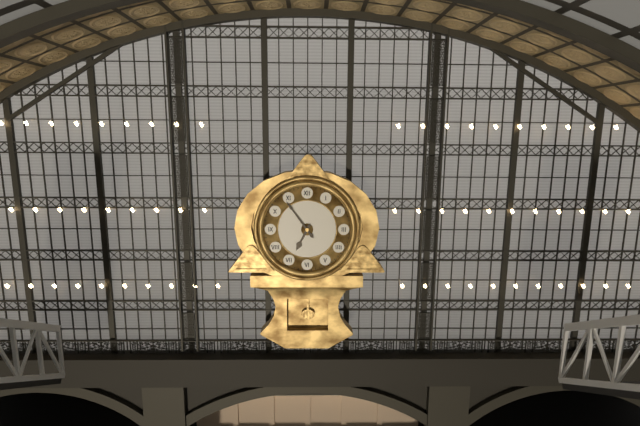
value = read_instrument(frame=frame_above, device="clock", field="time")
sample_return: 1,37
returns 6,54
